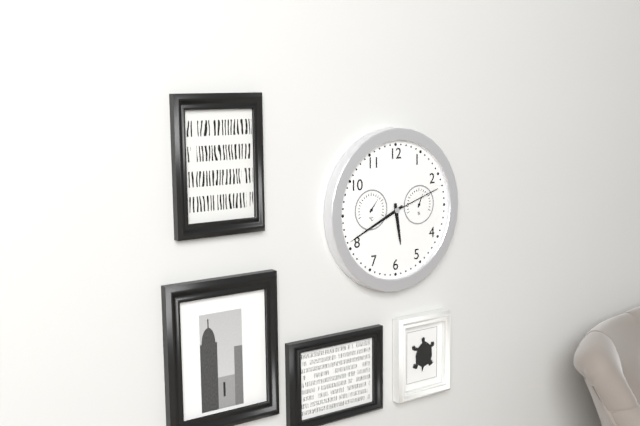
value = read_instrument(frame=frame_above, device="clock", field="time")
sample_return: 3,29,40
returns 5,41,12
